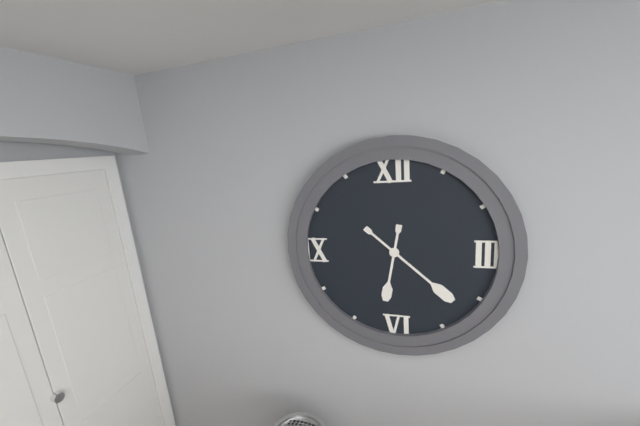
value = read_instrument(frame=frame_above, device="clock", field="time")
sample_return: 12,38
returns 6,22
